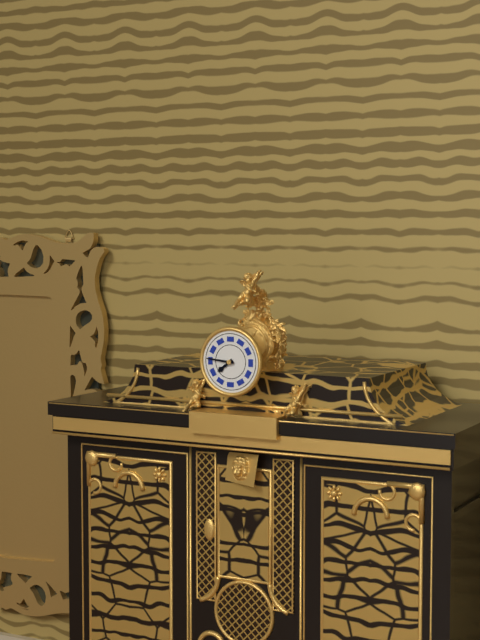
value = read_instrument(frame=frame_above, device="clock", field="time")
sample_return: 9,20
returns 7,46
